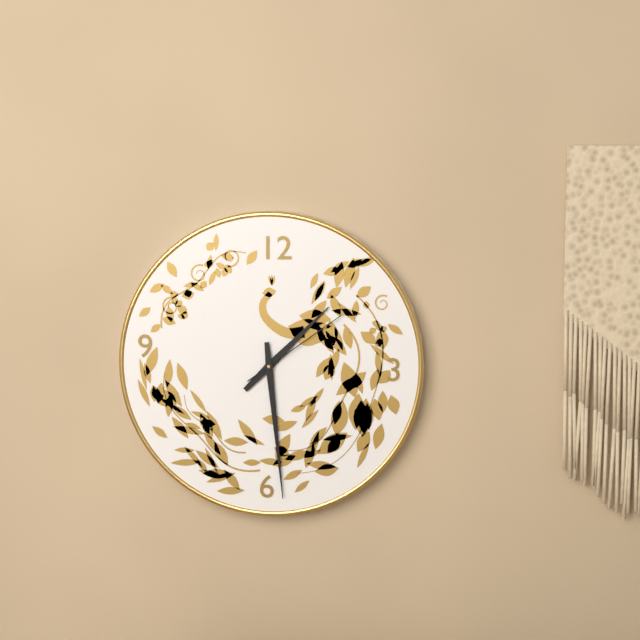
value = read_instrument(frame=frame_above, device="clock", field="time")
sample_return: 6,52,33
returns 1,29,09
